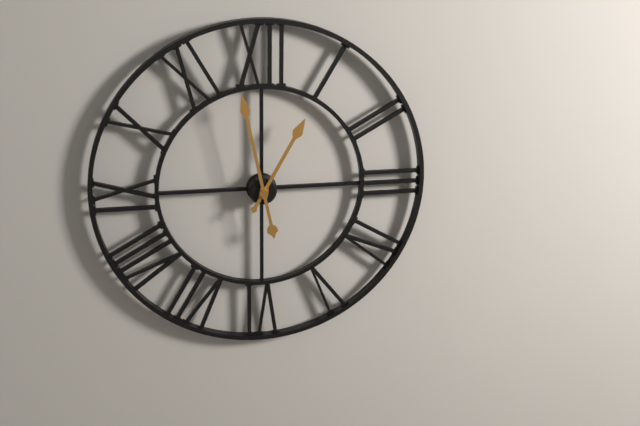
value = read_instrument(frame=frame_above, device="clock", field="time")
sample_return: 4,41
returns 12,58
